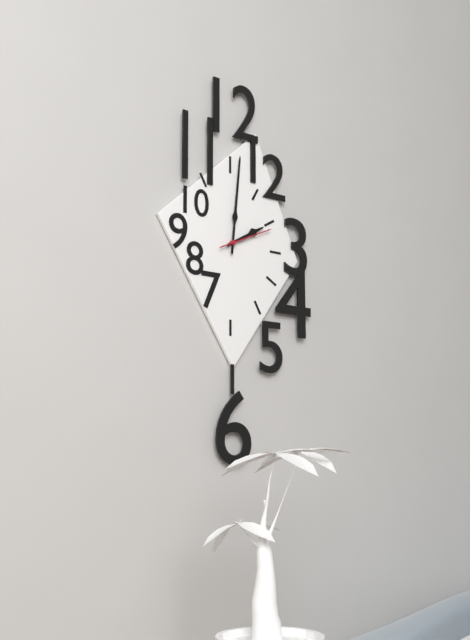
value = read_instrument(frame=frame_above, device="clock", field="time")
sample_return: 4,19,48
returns 2,01,11
